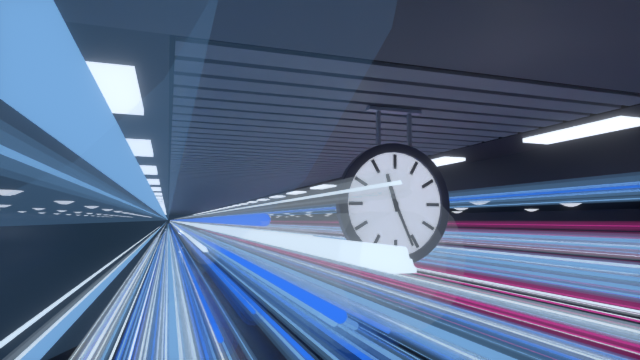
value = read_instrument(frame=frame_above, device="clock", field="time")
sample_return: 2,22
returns 11,26
